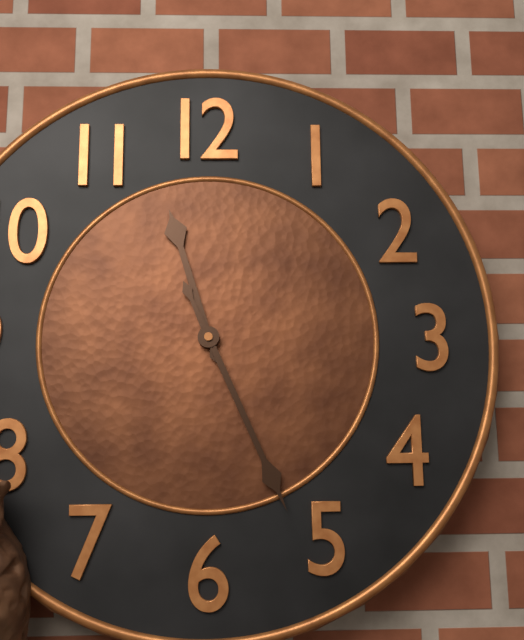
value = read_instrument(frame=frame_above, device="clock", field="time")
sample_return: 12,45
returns 11,26
